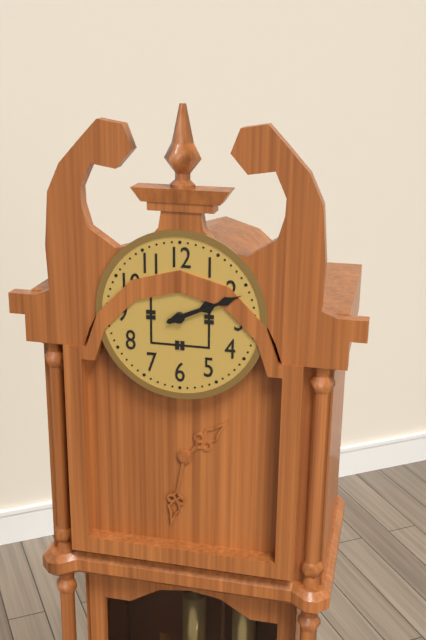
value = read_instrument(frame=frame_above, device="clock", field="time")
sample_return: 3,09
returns 2,11
